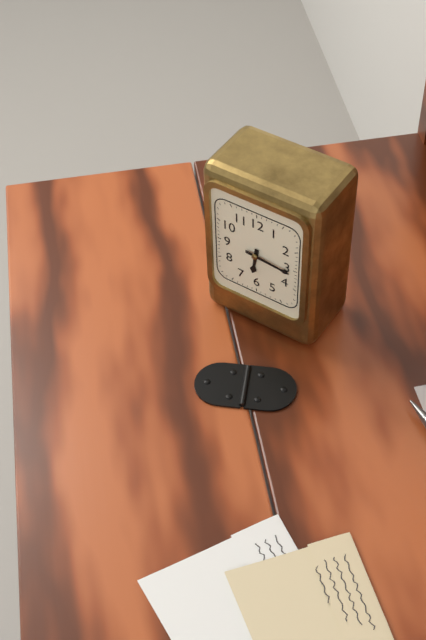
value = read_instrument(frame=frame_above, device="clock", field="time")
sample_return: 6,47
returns 6,16
